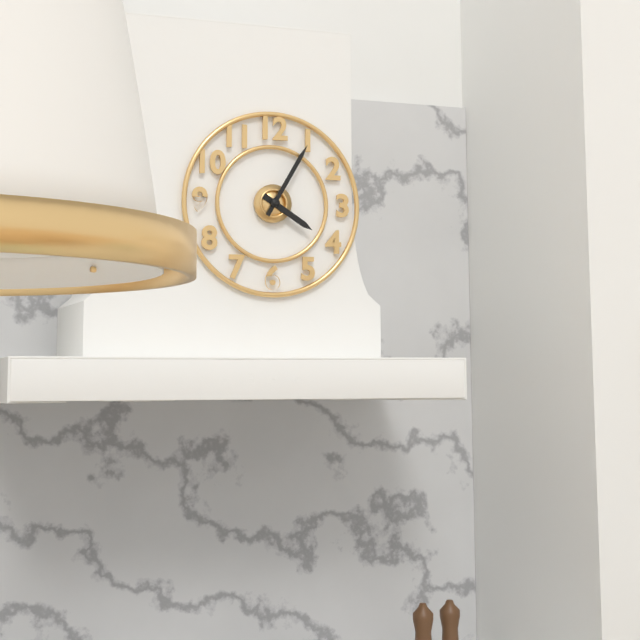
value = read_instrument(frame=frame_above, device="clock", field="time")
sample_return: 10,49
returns 4,05
